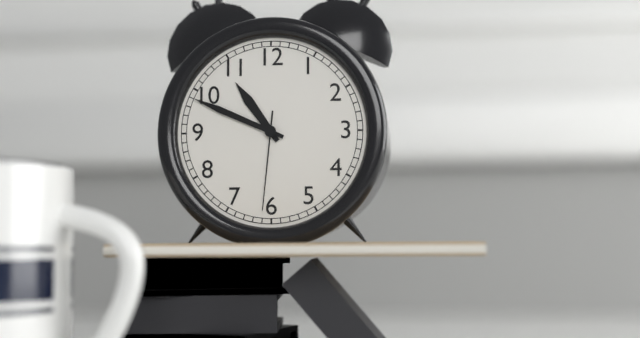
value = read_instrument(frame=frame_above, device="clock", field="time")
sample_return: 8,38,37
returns 10,49,31
